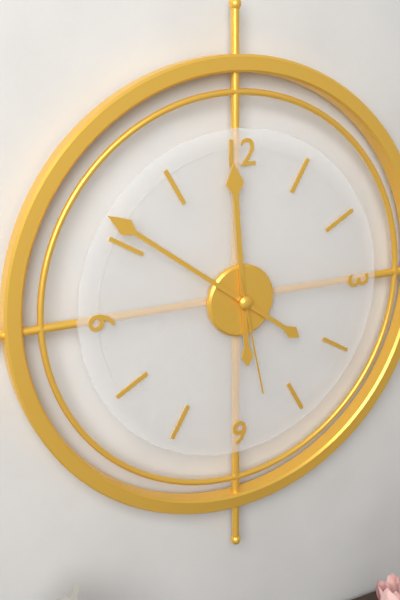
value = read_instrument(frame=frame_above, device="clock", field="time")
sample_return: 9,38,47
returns 11,51,28
